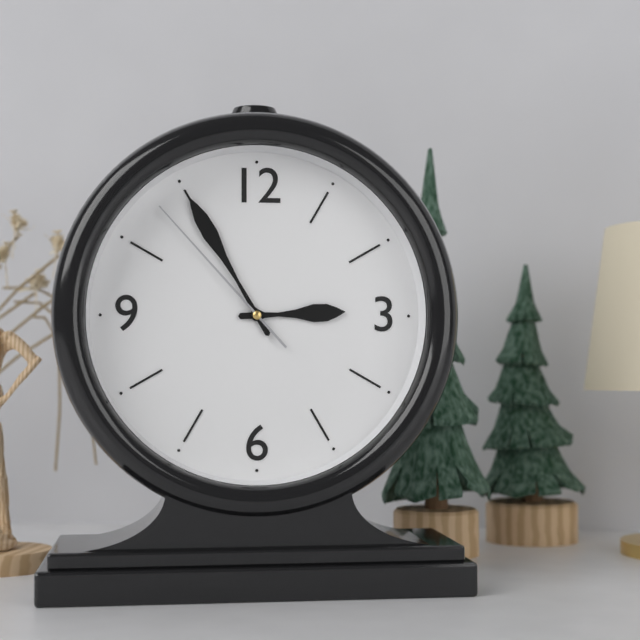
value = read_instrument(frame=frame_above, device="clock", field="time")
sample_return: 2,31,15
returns 2,55,53
